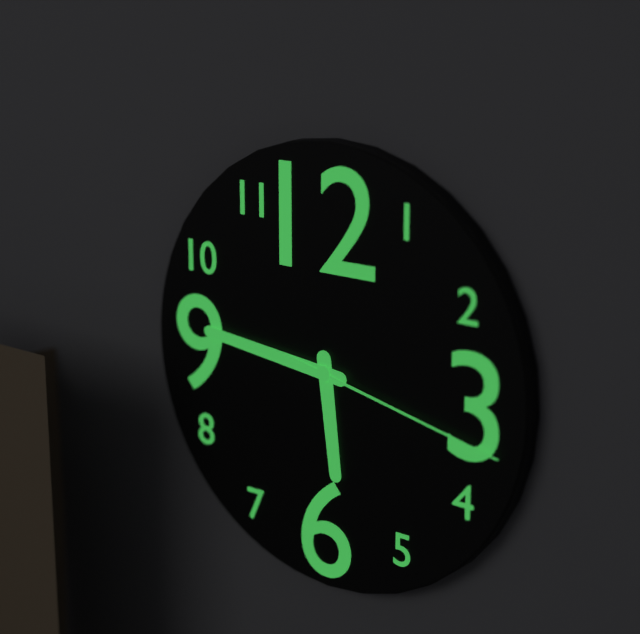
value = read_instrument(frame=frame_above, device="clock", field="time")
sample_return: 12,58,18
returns 5,46,17
